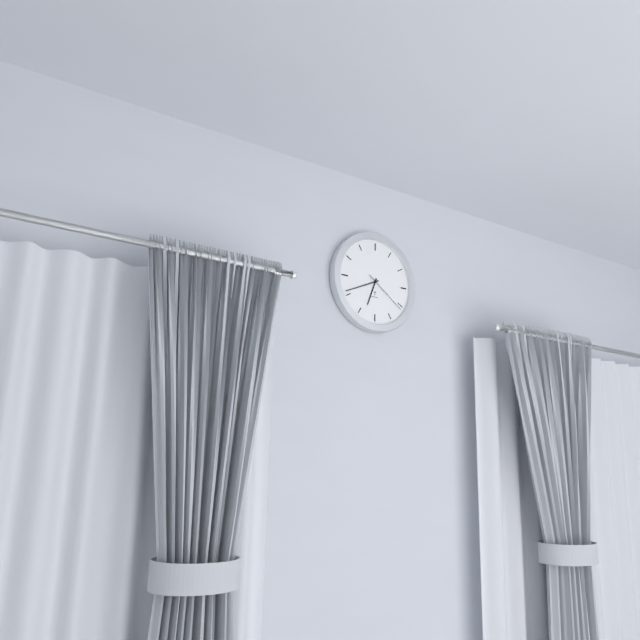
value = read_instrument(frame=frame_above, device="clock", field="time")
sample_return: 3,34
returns 6,41
